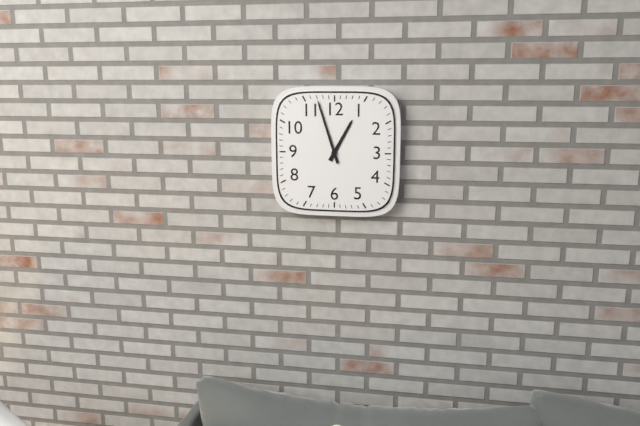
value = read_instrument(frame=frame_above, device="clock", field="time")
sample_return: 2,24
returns 12,57
